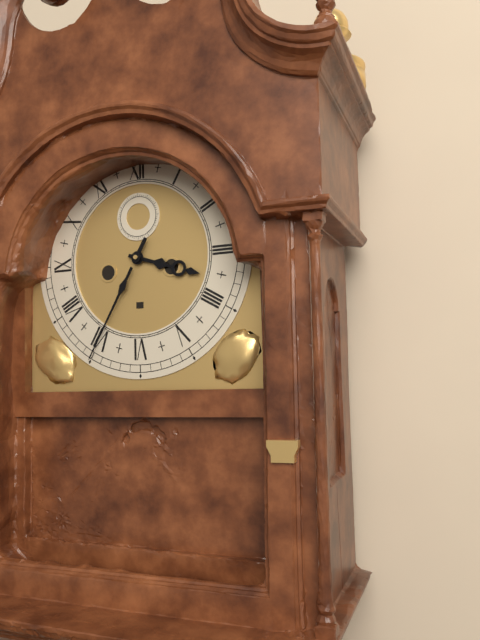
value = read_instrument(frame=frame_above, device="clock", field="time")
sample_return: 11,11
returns 3,35
